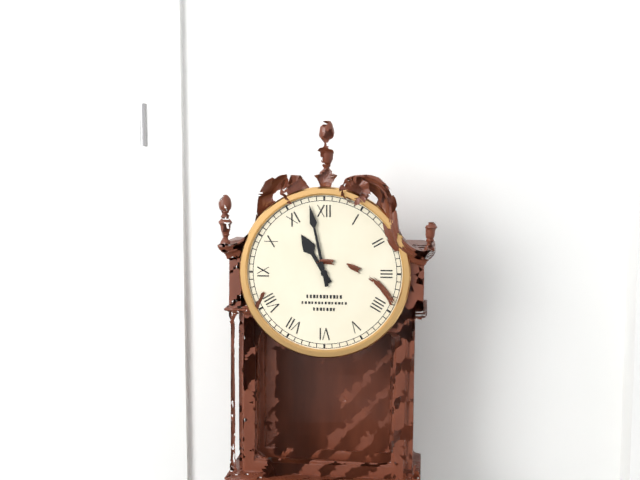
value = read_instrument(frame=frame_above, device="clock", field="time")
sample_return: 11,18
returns 10,58
